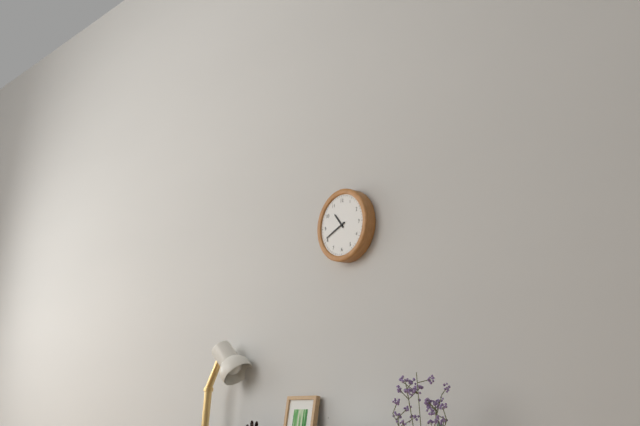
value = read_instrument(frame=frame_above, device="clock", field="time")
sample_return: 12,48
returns 10,41
